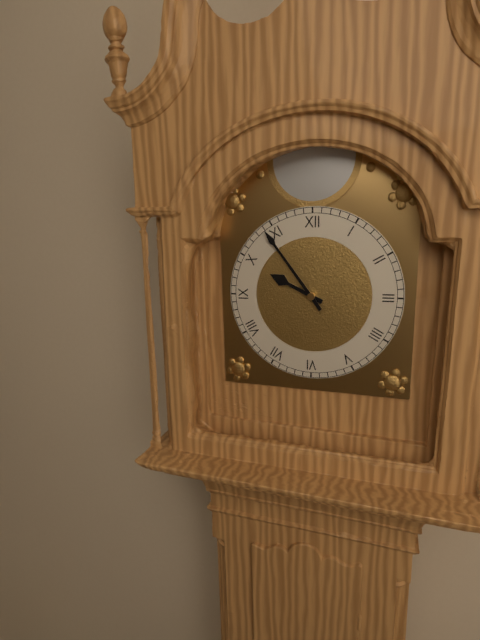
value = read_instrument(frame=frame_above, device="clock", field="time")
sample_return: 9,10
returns 9,54
